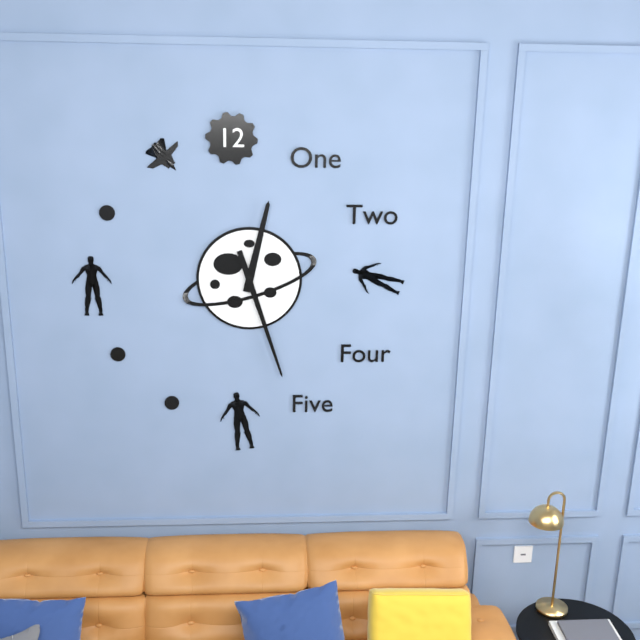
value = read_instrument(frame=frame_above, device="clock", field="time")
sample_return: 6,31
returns 12,27
